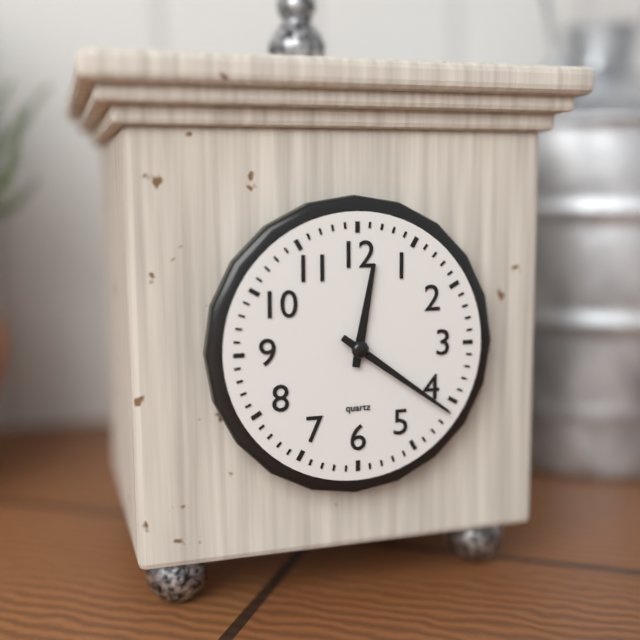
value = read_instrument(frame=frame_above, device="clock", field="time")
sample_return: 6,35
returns 12,21
